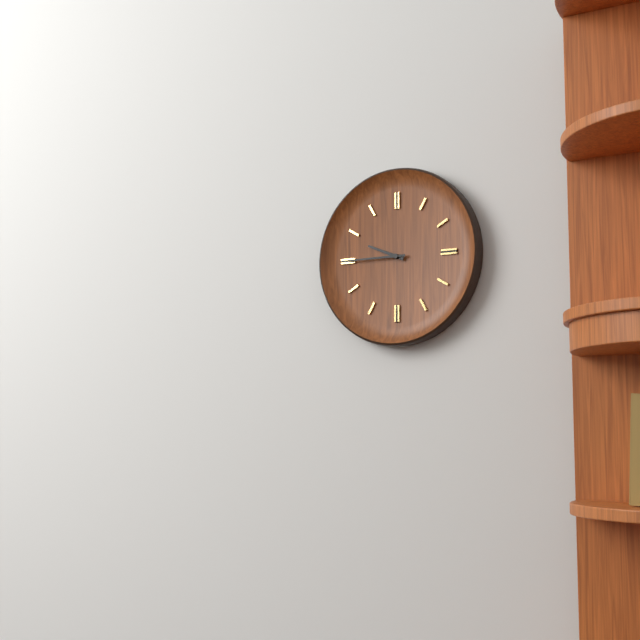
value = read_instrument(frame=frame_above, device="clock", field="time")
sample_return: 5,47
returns 9,45
